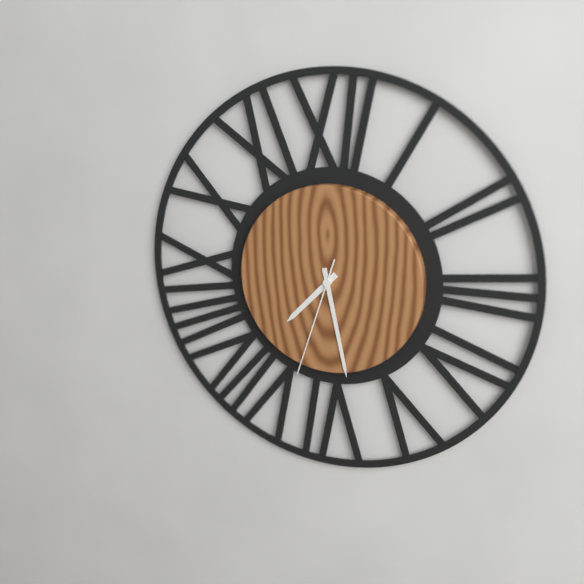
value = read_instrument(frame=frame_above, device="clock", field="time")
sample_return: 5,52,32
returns 7,28,33
